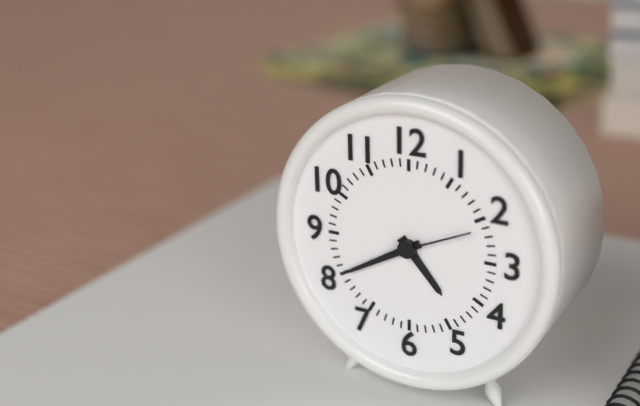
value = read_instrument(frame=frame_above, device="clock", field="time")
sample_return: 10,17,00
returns 4,40,11
